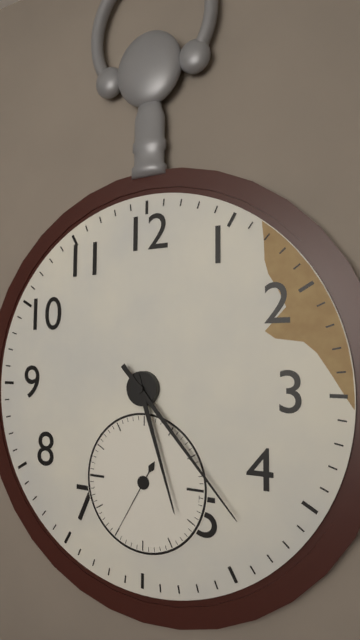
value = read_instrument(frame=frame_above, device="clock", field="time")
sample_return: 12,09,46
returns 5,23,35
